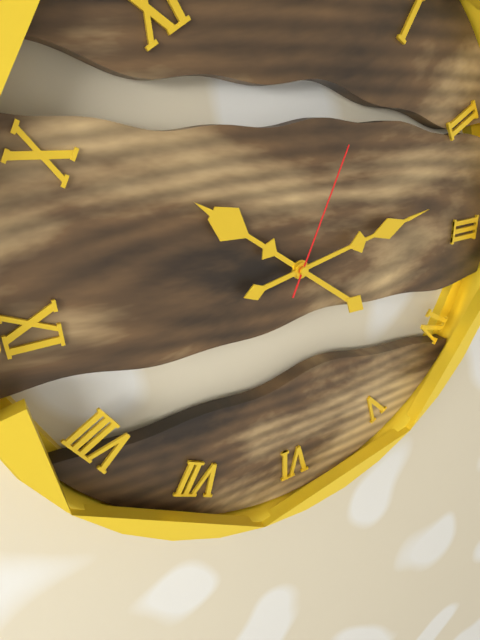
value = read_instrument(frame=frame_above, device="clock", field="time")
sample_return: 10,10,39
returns 10,13,04
